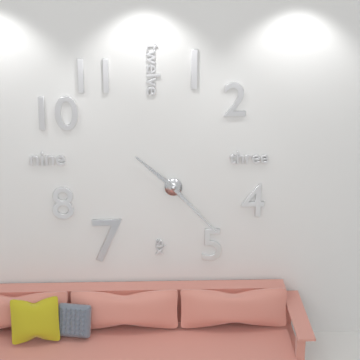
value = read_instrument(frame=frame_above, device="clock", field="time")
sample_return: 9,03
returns 10,23
